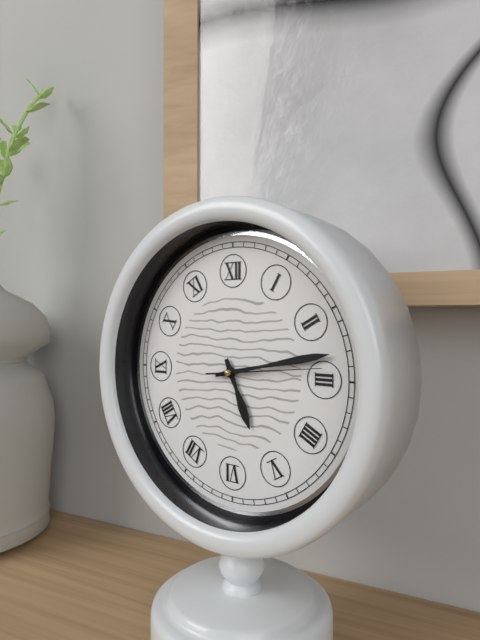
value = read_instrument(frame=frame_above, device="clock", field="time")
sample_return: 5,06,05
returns 5,13,14
